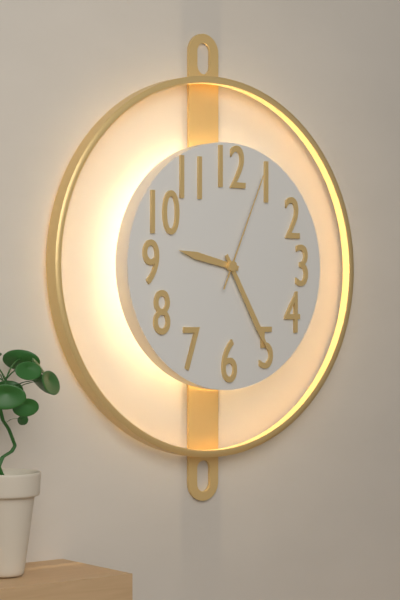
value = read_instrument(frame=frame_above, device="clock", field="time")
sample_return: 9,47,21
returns 9,25,04
